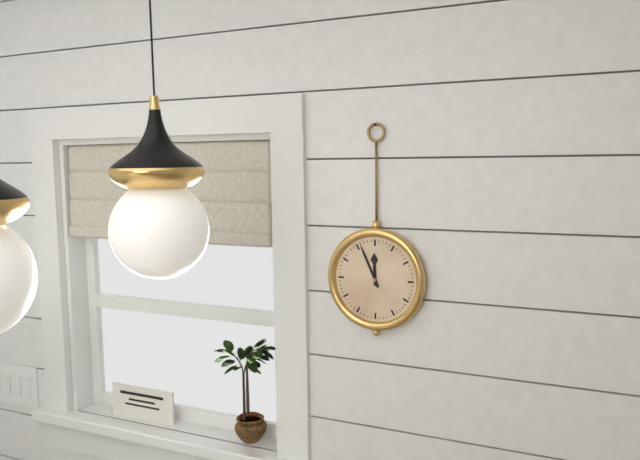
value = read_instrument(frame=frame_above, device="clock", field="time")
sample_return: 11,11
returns 11,56
